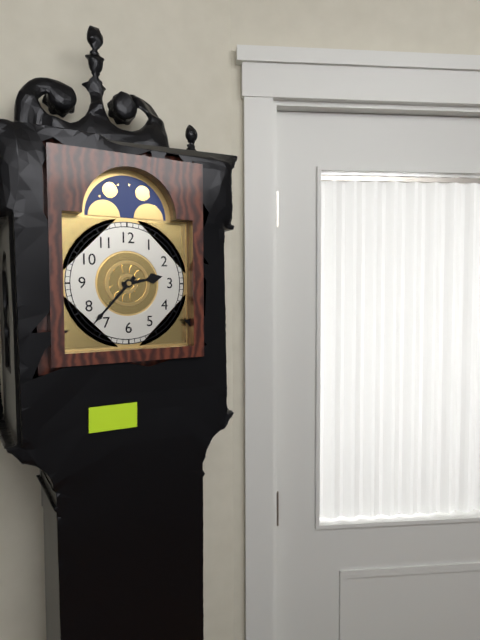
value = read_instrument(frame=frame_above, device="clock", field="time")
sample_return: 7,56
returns 2,37
